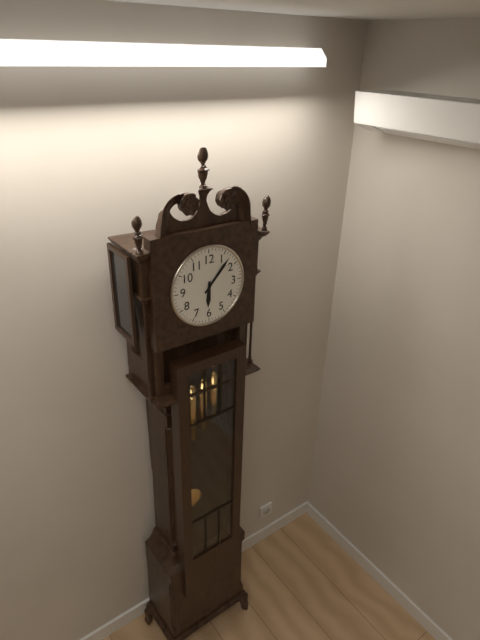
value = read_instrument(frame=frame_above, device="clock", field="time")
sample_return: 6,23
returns 6,07
